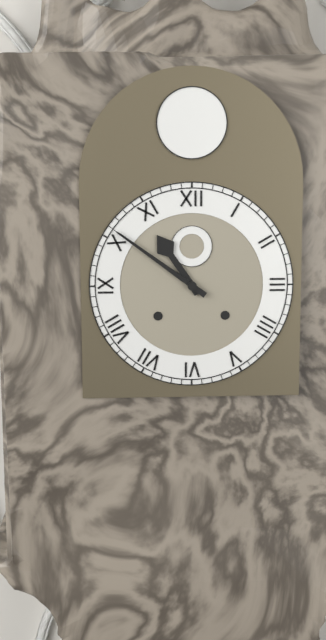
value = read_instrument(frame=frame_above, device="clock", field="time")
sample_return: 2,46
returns 10,51
